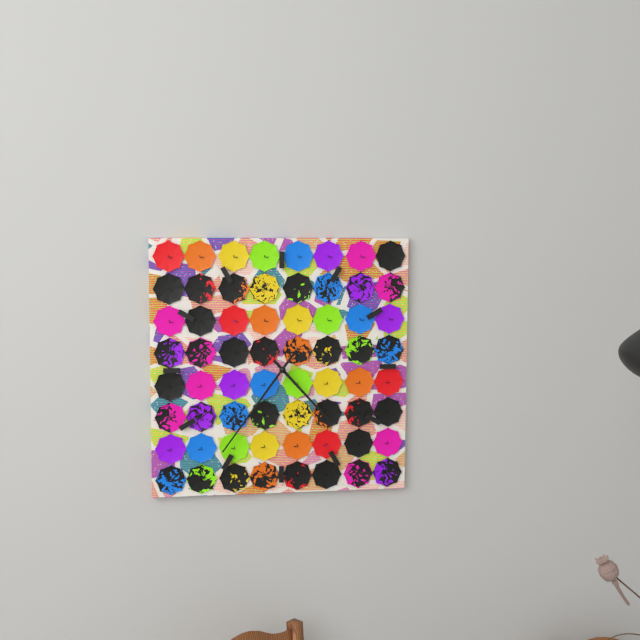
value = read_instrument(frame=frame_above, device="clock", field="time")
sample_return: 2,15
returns 4,36
